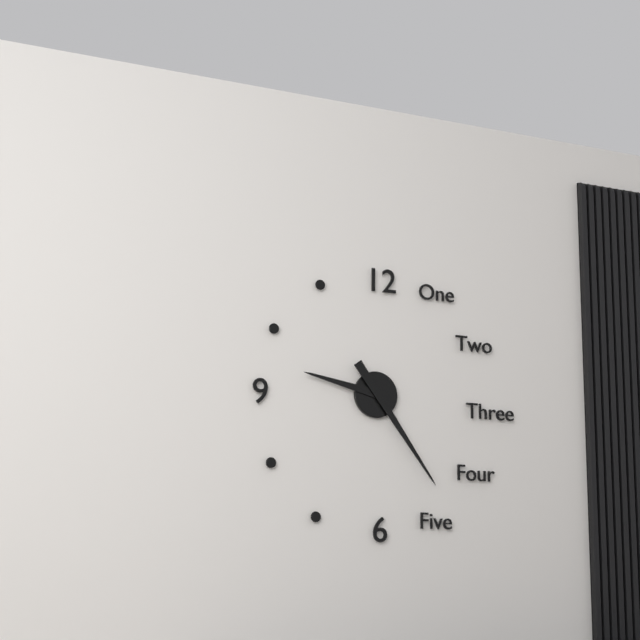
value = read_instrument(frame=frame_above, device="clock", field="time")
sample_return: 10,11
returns 9,24
